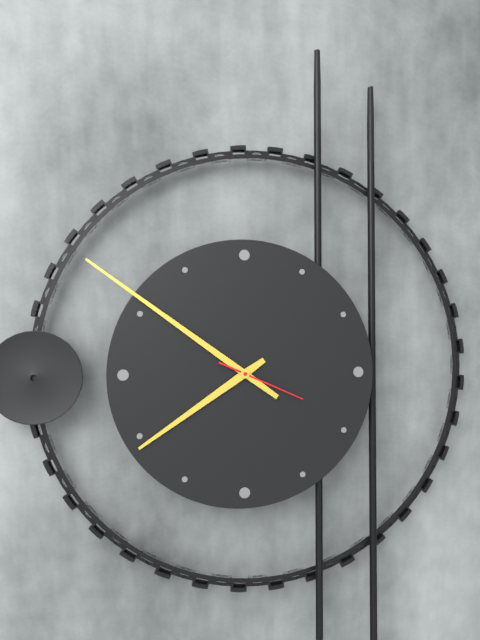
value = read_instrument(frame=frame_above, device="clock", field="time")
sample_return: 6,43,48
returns 7,51,19
